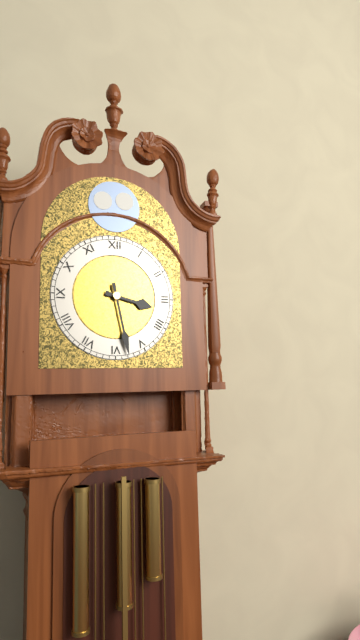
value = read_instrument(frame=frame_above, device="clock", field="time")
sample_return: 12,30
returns 3,28
